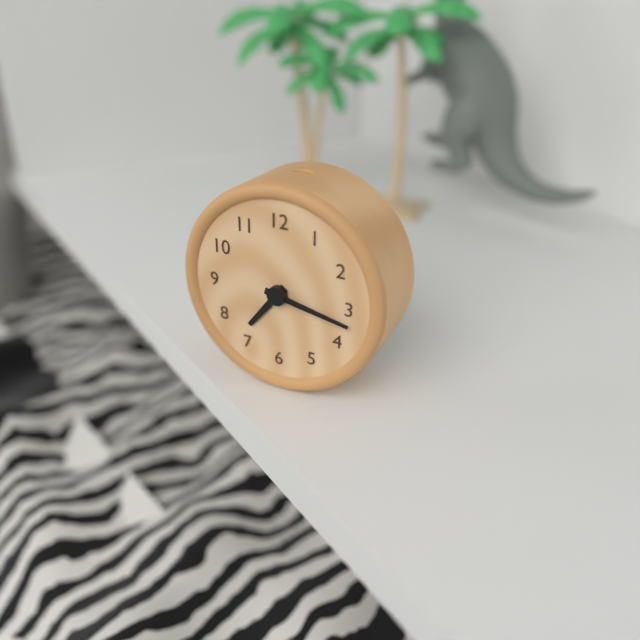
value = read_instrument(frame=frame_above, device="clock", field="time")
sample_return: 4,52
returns 7,17
